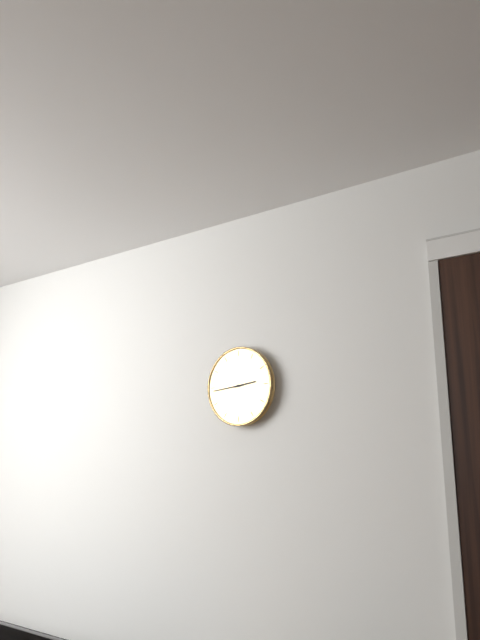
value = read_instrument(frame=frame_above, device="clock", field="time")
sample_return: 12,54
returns 2,44
